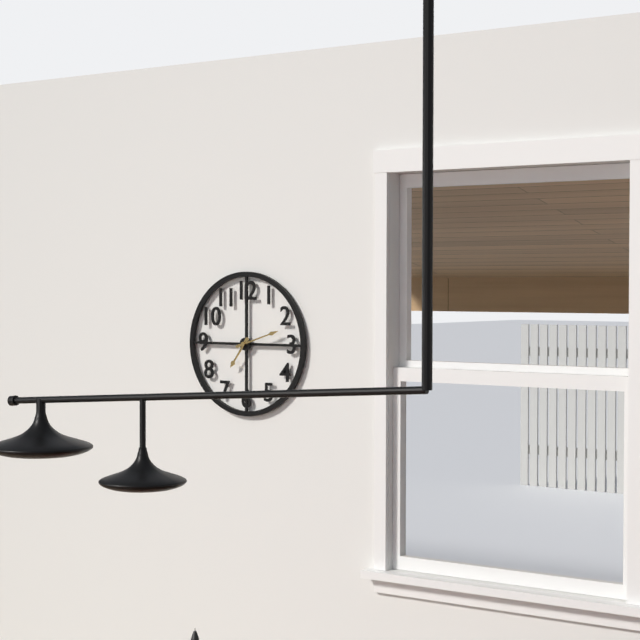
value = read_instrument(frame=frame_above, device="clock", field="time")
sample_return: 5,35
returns 7,12
